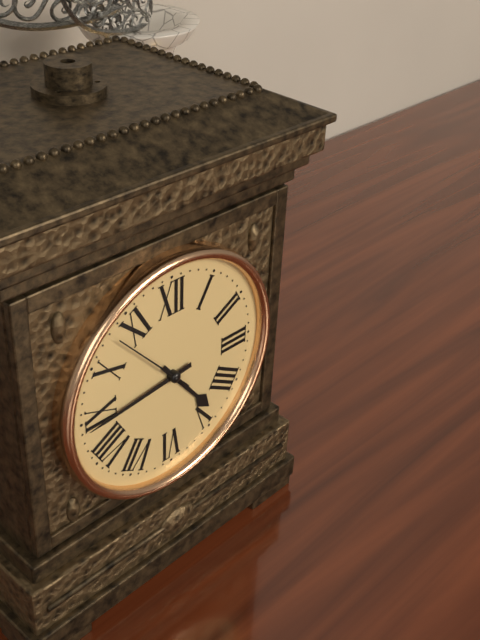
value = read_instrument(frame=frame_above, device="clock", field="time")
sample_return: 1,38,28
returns 4,44,53
